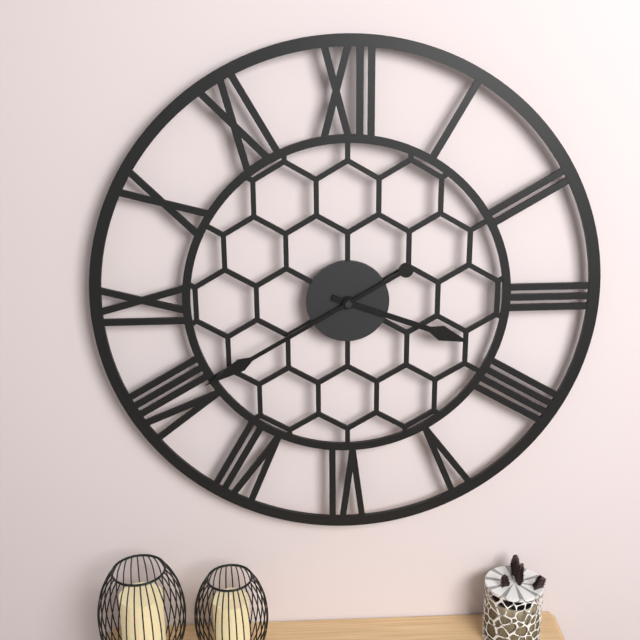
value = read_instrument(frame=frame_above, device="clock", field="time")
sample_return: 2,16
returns 3,40
